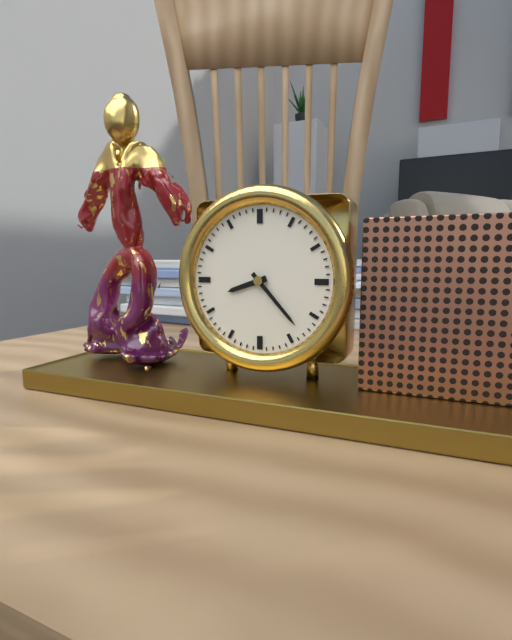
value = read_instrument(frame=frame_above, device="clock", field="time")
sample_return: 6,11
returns 8,23
